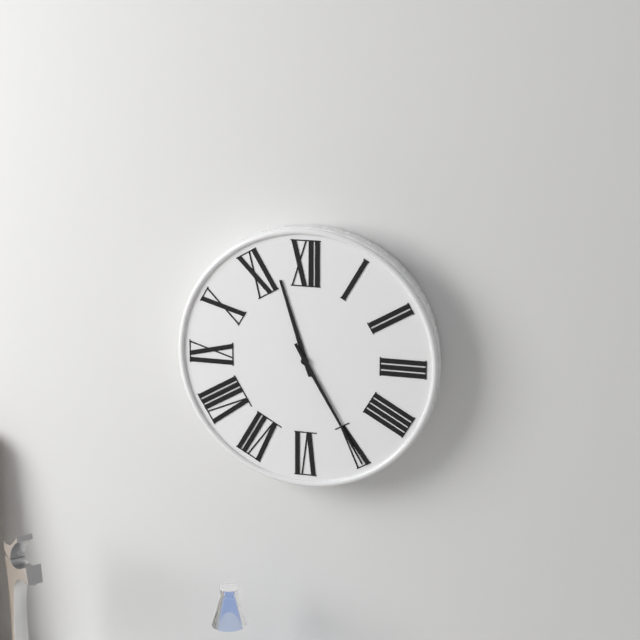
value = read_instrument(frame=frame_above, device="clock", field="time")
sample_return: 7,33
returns 11,25
